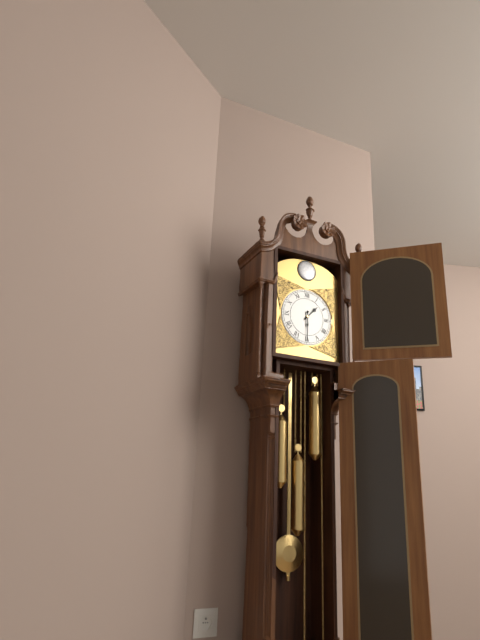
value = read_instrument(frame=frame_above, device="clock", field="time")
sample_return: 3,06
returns 1,30
